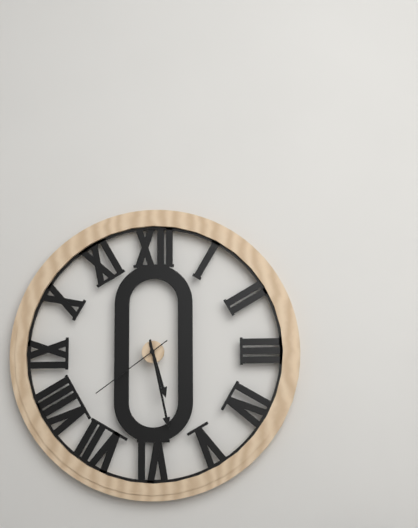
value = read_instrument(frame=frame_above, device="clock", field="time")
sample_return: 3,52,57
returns 5,28,39
